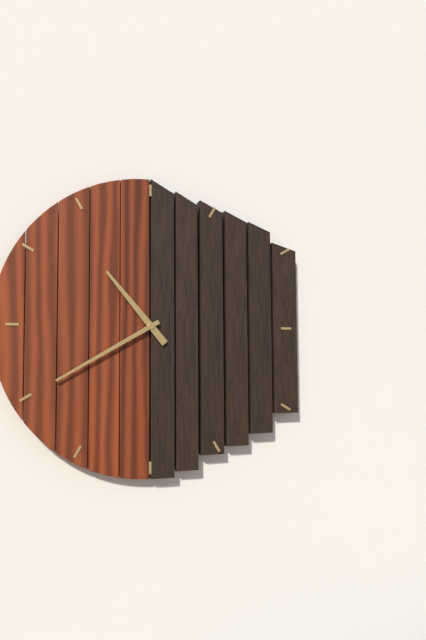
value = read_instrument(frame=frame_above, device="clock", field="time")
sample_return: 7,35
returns 10,40
